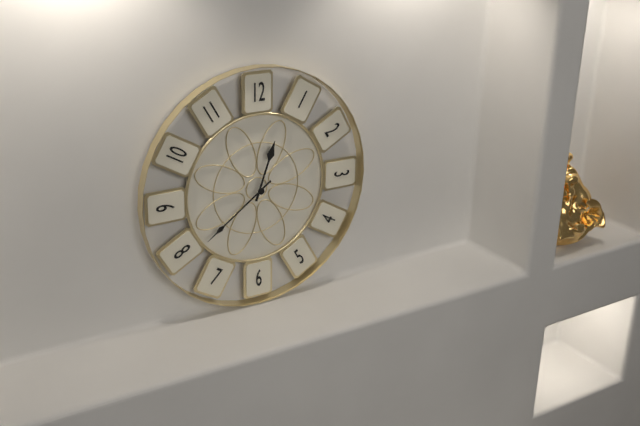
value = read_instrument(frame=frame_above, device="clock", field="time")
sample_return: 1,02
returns 12,39
